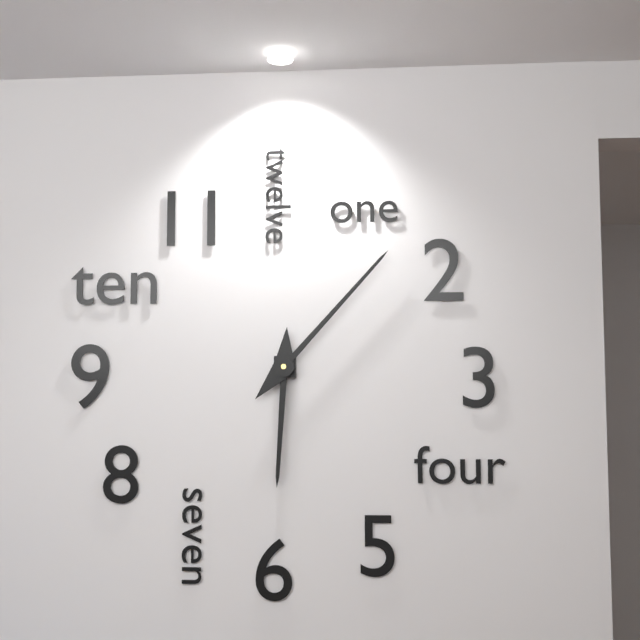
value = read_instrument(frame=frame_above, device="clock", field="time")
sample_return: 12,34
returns 6,07
